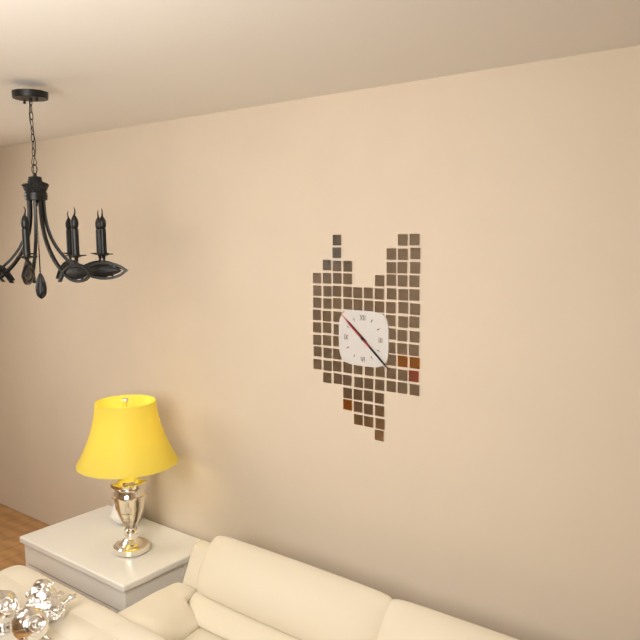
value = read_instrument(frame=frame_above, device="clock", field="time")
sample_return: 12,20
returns 10,22
